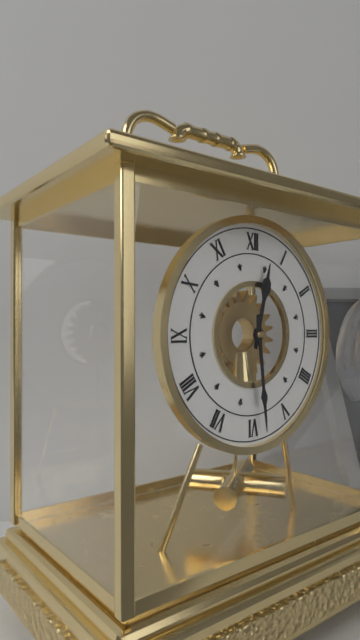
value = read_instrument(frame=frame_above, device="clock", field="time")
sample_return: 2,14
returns 12,29
